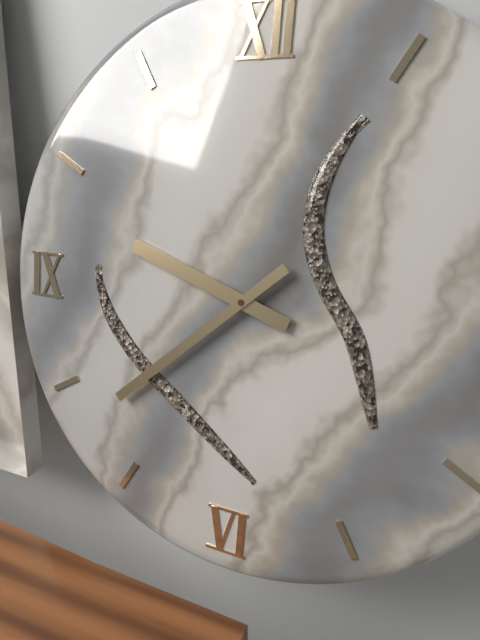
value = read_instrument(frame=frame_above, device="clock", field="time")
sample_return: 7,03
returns 9,38
